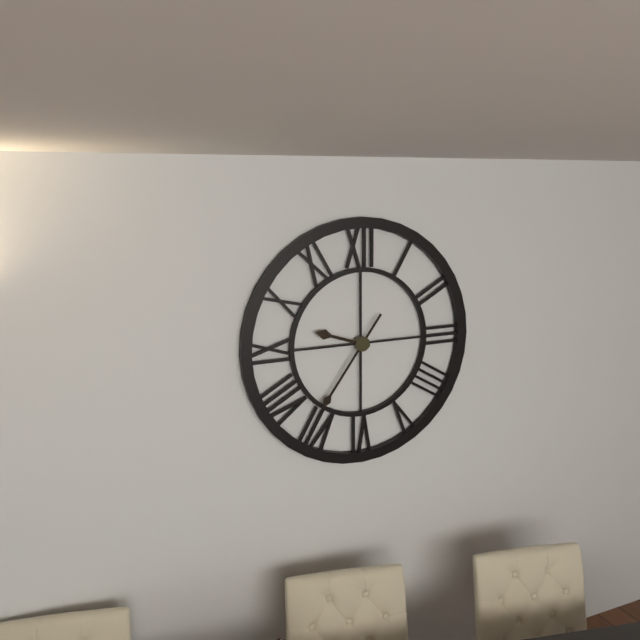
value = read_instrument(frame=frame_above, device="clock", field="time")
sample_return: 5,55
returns 9,36
